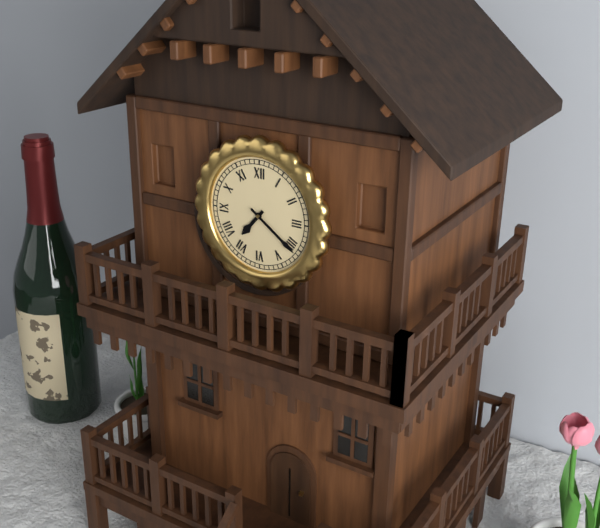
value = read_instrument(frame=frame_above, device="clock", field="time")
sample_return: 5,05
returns 7,21
